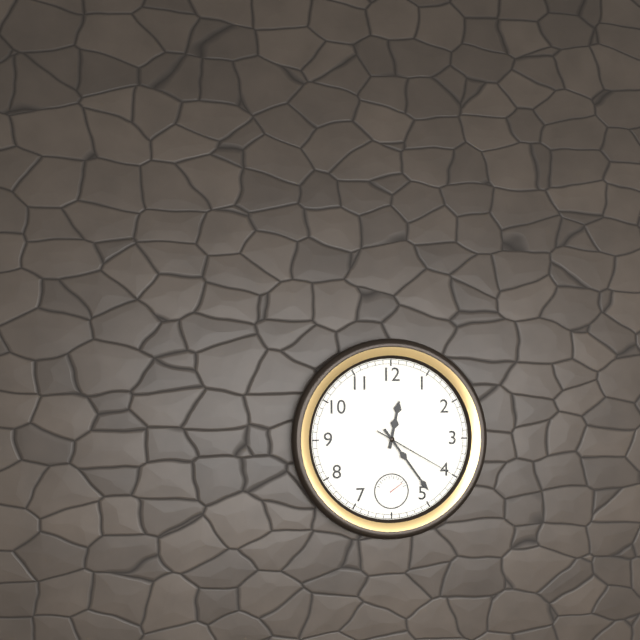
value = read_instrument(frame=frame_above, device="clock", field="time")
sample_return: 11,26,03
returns 12,24,20
